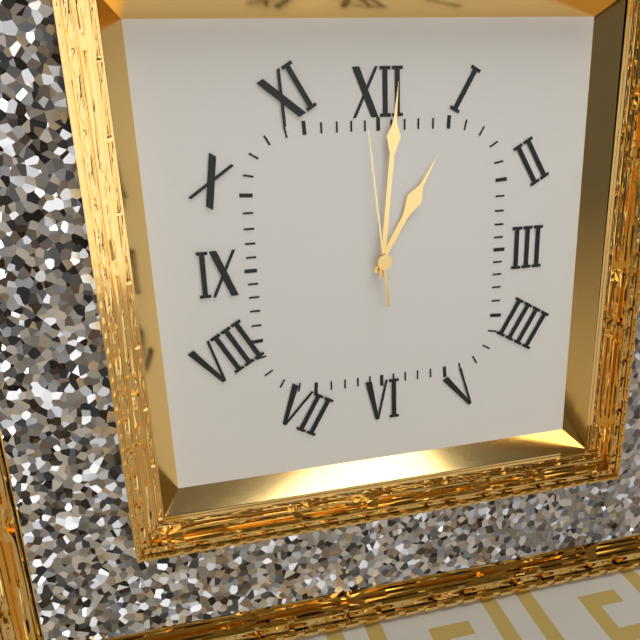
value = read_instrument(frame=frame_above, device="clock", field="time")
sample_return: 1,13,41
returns 1,01,59
